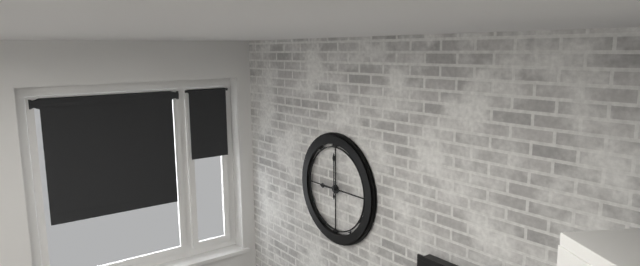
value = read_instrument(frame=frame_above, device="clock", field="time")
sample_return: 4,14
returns 9,00
